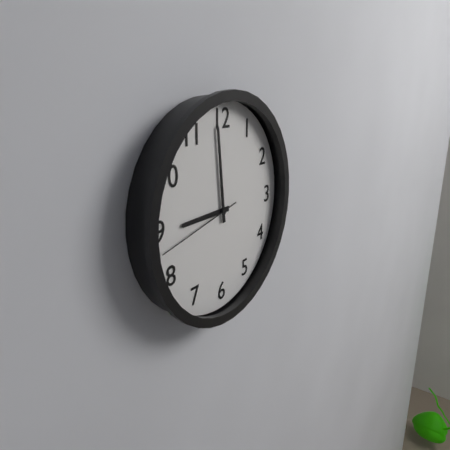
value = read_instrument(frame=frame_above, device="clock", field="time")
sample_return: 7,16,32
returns 8,59,43
